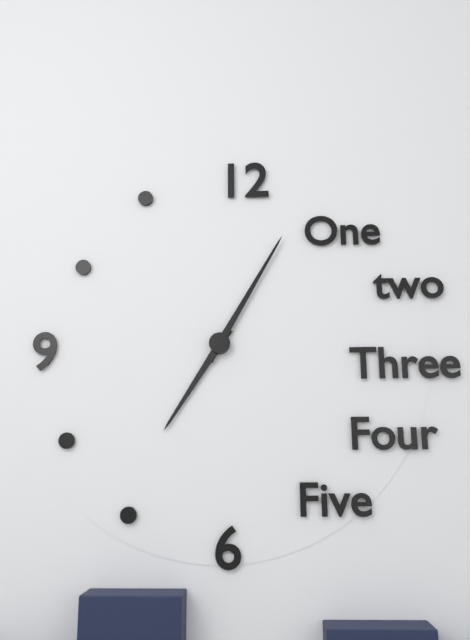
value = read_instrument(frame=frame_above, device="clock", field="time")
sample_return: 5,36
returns 7,05
